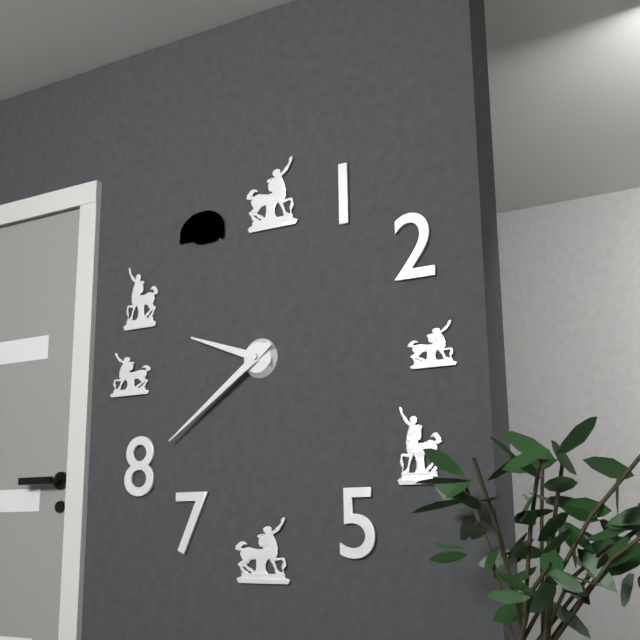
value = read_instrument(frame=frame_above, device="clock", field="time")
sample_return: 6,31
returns 9,39
